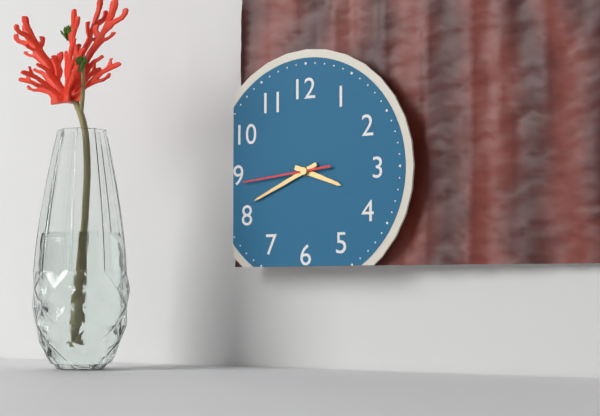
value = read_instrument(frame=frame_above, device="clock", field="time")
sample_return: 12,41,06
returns 3,41,44
